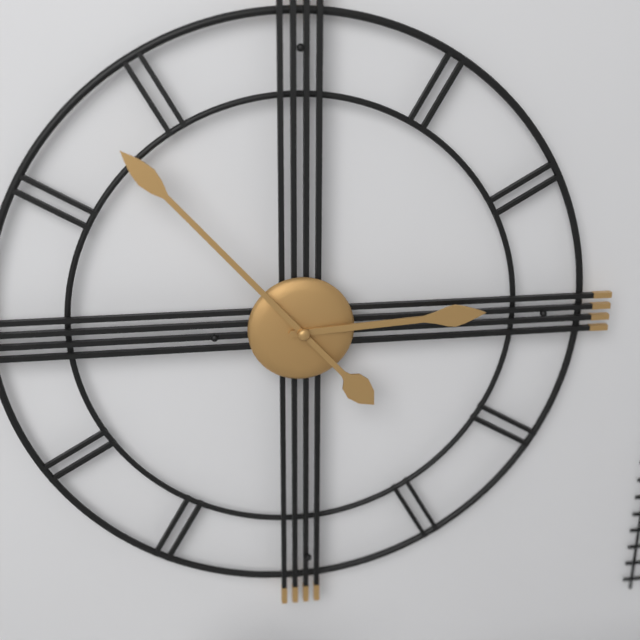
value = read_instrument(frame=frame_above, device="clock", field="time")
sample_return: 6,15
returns 2,53
